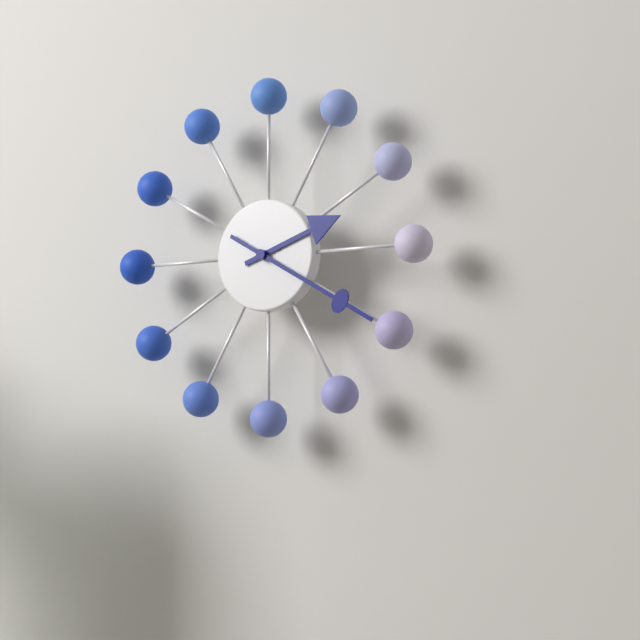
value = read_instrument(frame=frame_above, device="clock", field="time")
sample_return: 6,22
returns 2,20
